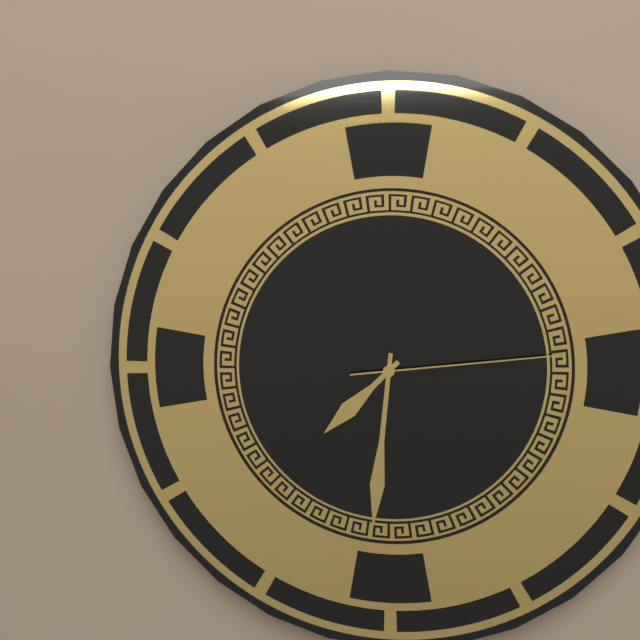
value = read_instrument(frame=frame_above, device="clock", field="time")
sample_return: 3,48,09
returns 7,31,14
